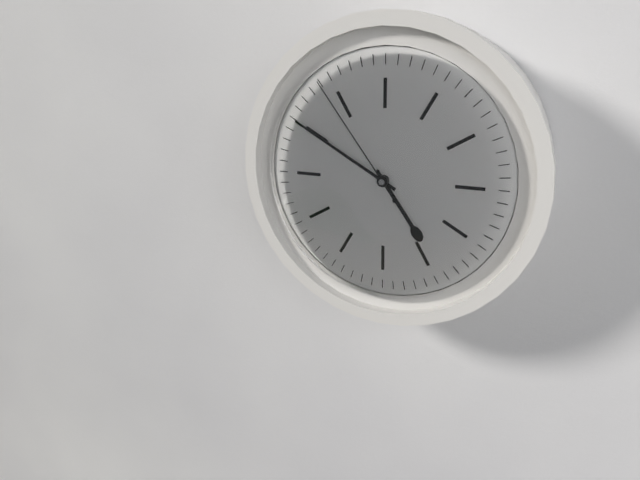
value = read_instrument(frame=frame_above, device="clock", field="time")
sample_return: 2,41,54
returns 4,50,54
